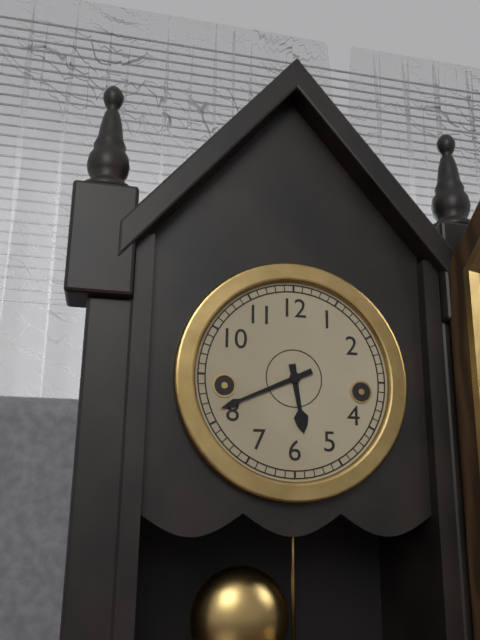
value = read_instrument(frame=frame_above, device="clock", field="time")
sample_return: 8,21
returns 5,41
